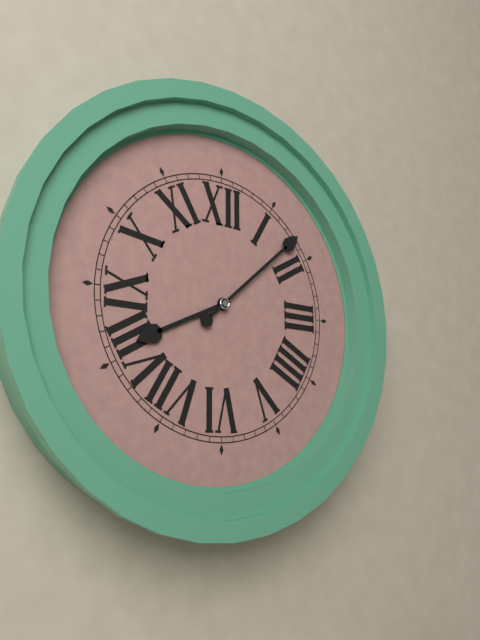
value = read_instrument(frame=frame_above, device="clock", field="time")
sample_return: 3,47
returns 8,08
